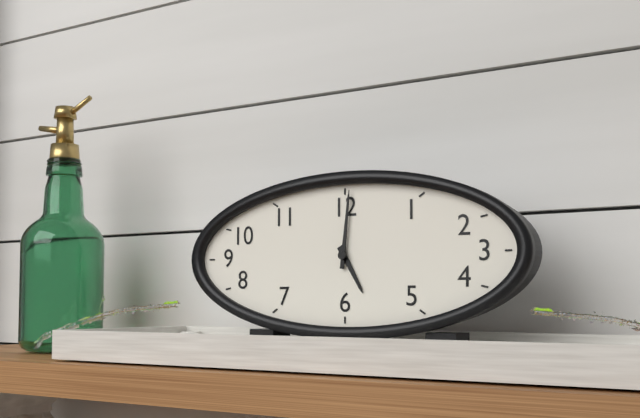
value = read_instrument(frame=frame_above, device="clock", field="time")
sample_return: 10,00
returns 5,01
